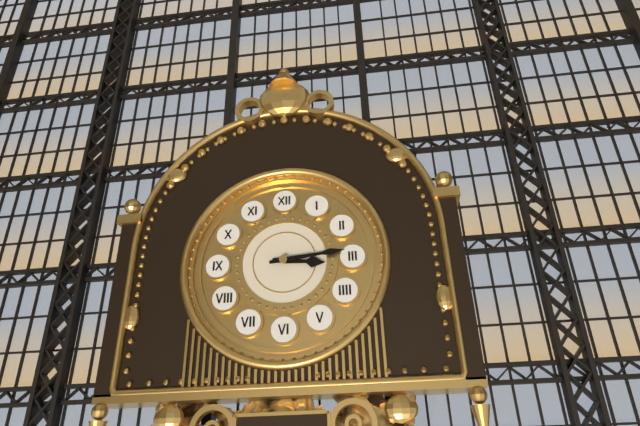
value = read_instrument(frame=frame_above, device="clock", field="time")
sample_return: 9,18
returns 3,14
